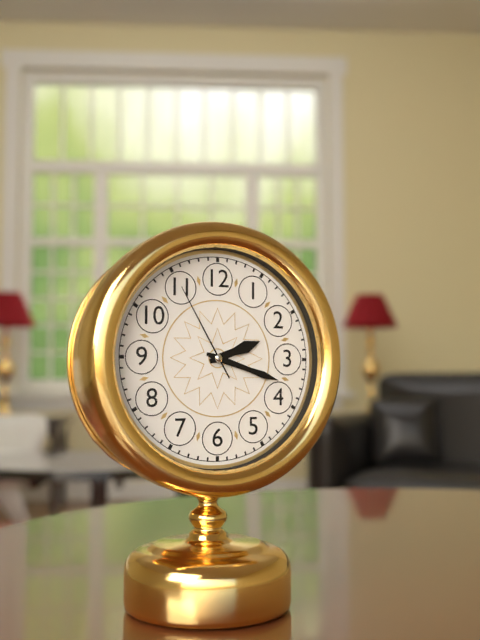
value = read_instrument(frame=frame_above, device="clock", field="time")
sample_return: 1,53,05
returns 2,18,55
